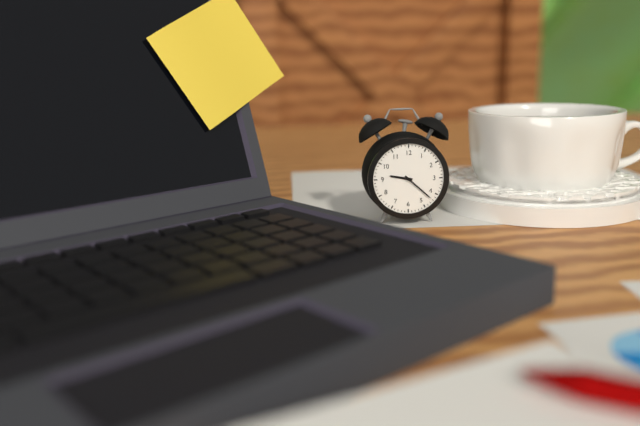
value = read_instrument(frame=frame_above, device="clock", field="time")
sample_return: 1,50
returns 9,22
